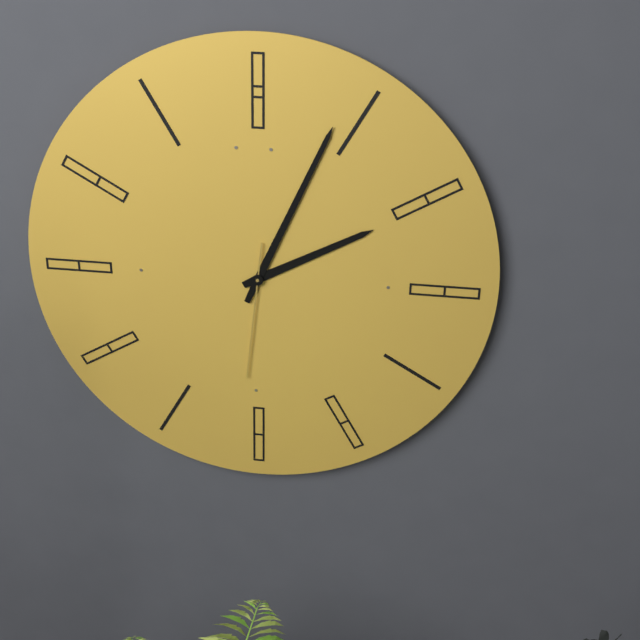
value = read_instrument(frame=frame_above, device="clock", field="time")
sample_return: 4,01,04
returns 2,04,31
